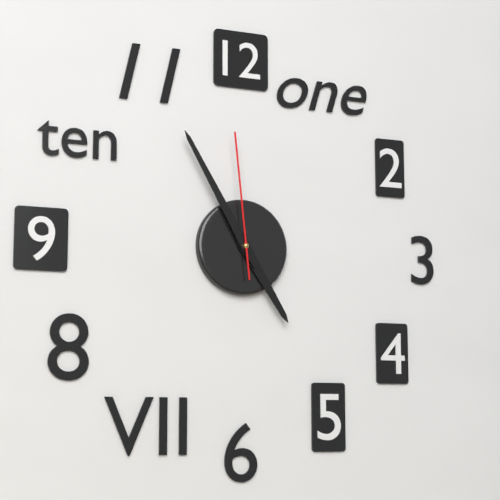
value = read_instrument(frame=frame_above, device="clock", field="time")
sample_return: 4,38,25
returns 4,55,59
